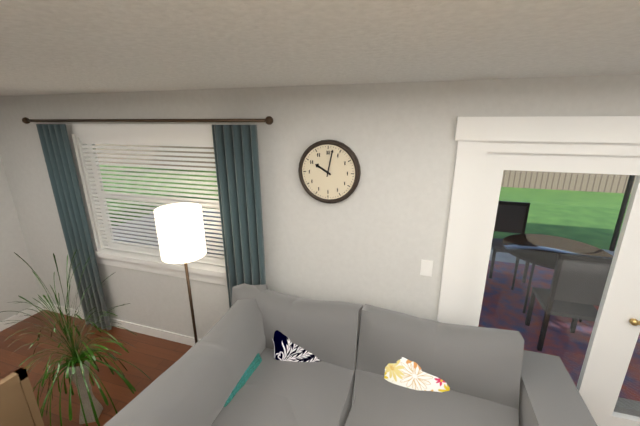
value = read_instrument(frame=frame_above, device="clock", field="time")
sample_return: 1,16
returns 10,02
